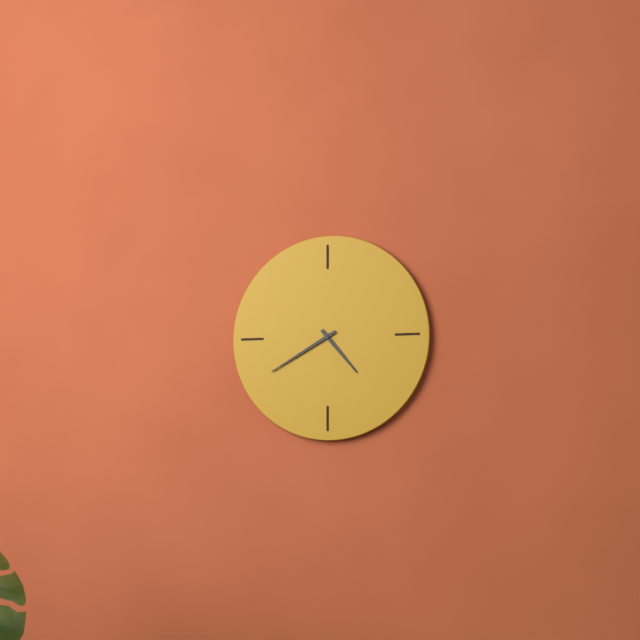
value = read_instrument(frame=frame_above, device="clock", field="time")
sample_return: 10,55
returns 4,40
